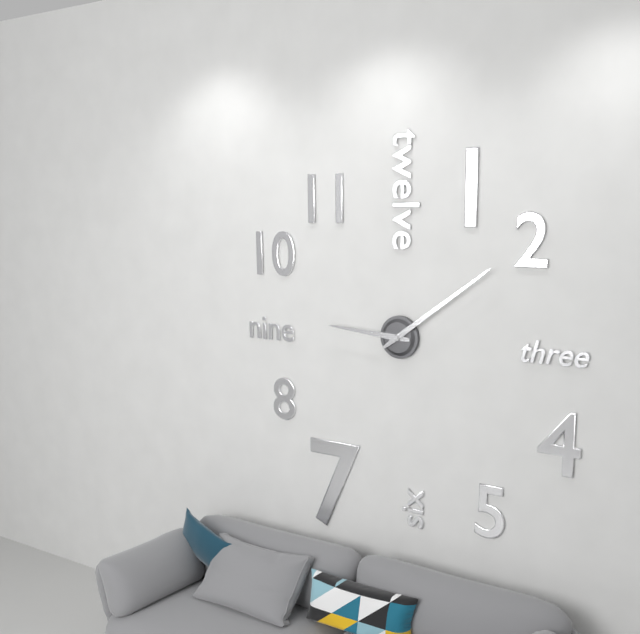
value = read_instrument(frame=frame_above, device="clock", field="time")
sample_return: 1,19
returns 9,09
